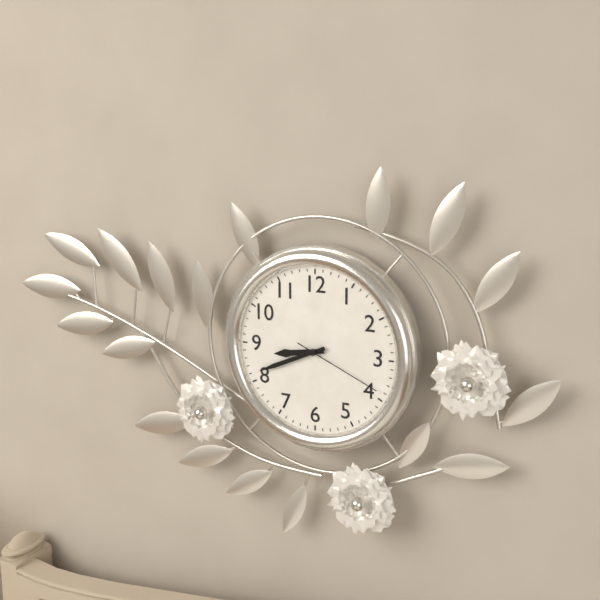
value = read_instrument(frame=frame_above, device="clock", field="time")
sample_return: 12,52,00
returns 8,41,19
